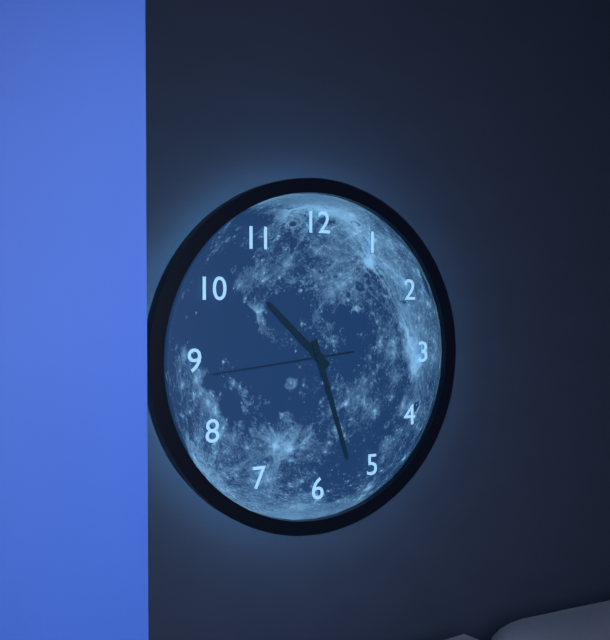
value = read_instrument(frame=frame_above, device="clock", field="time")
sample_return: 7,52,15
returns 10,27,44
